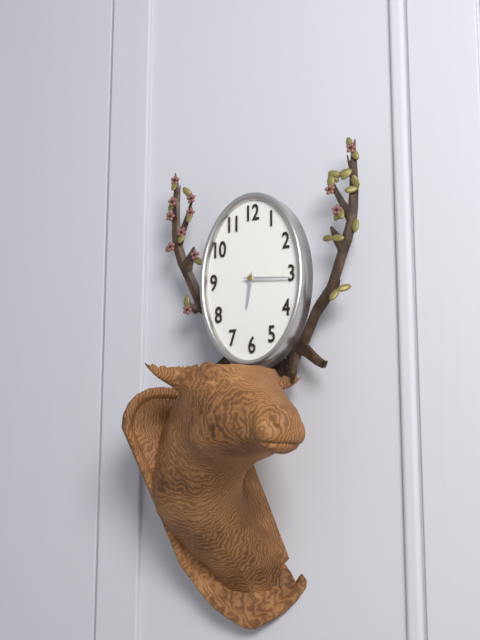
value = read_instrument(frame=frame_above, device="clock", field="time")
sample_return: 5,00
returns 6,16
